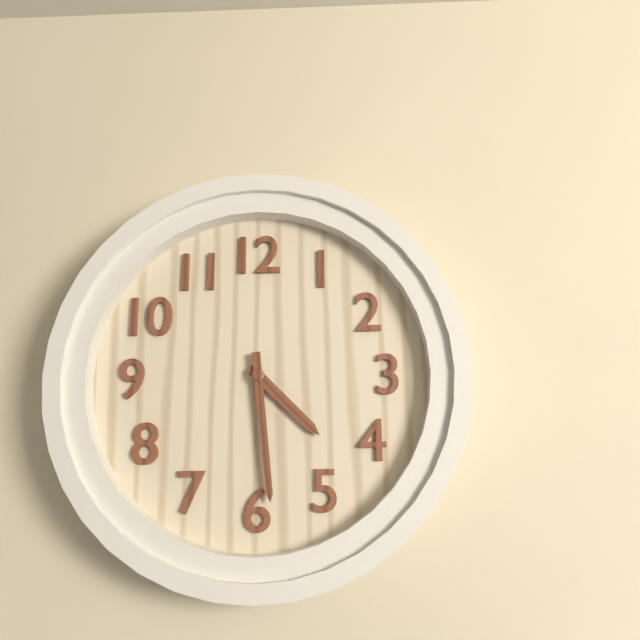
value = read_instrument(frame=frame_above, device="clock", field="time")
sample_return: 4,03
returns 4,29
